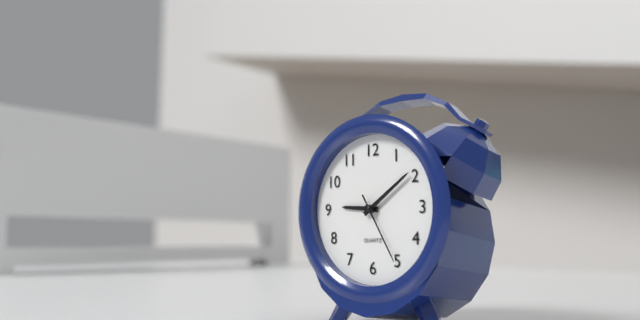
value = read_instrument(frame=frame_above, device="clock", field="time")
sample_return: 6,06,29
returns 9,09,25
